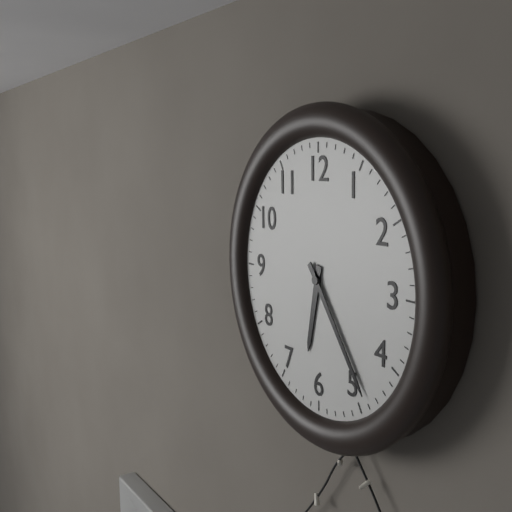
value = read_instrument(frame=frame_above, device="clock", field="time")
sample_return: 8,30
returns 6,24
